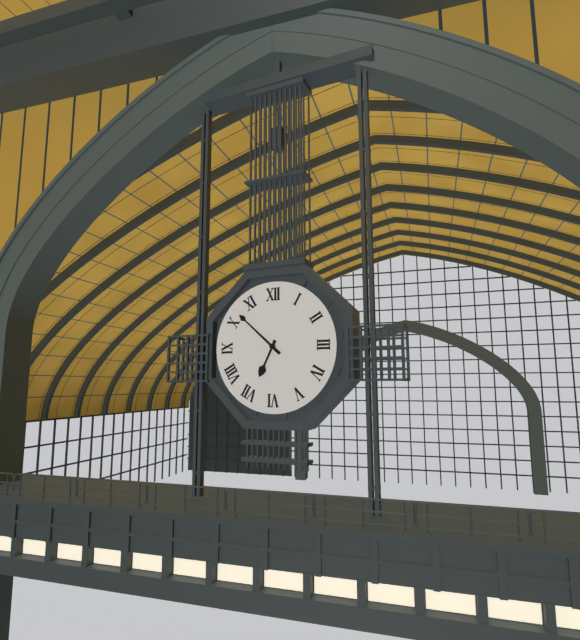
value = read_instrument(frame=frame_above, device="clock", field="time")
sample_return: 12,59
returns 6,52
